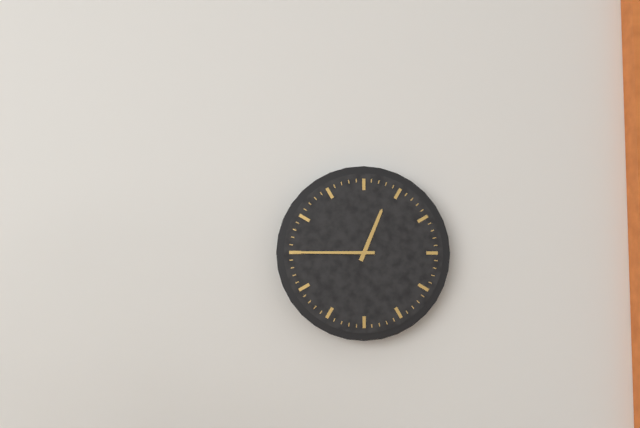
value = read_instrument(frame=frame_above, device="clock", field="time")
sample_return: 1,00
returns 12,45
